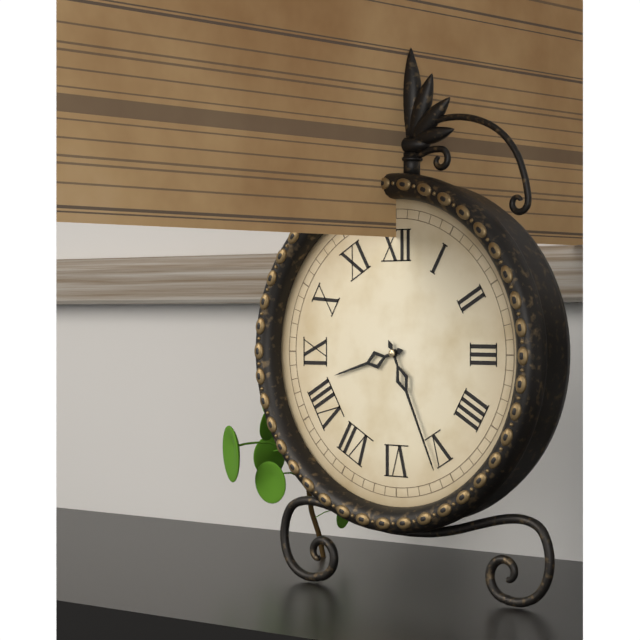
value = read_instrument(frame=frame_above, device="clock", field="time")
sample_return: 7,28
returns 8,26
